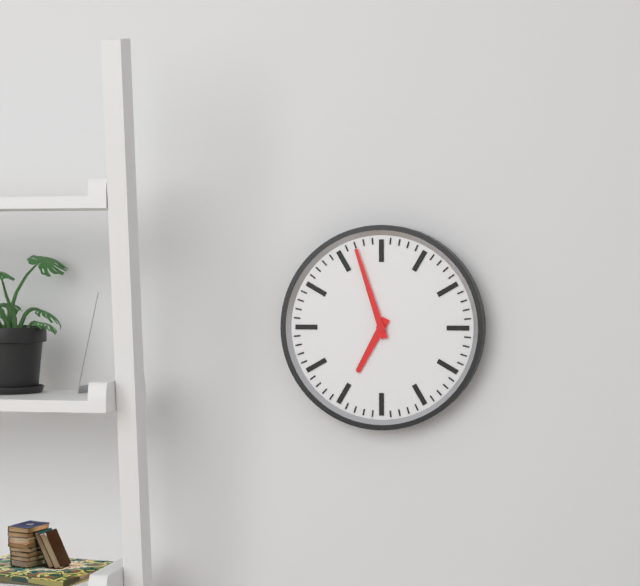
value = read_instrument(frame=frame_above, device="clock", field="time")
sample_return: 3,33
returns 6,57
